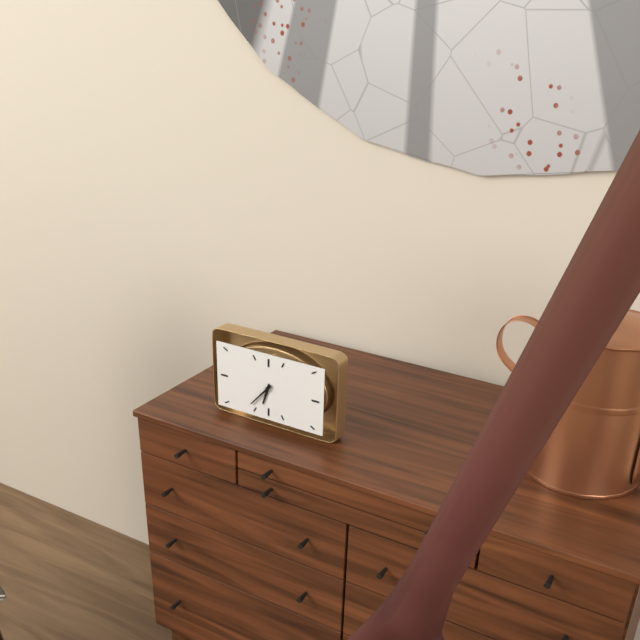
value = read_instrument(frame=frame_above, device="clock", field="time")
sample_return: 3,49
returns 6,37
